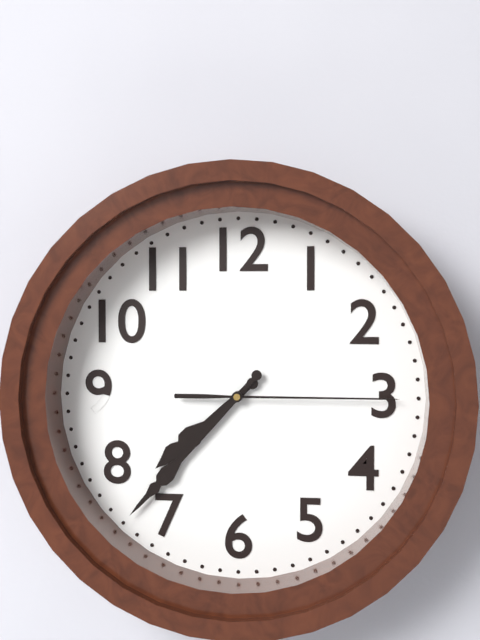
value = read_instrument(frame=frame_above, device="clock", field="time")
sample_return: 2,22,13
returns 7,37,15
